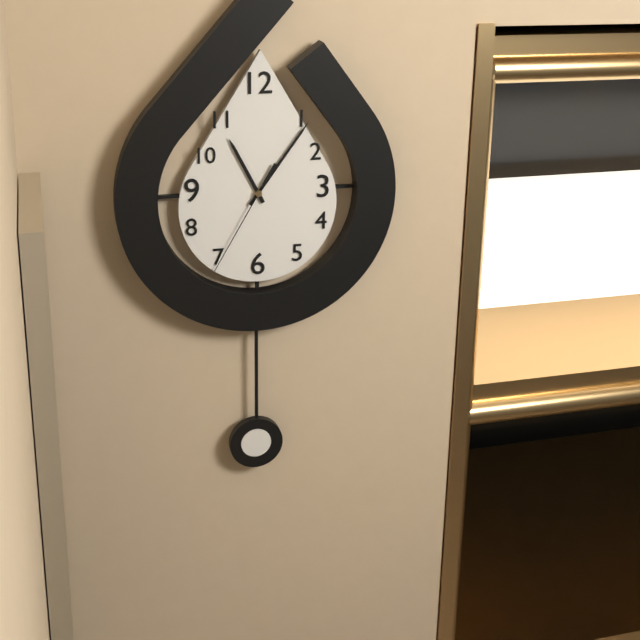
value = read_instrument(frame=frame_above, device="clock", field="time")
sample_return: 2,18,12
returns 11,06,35
